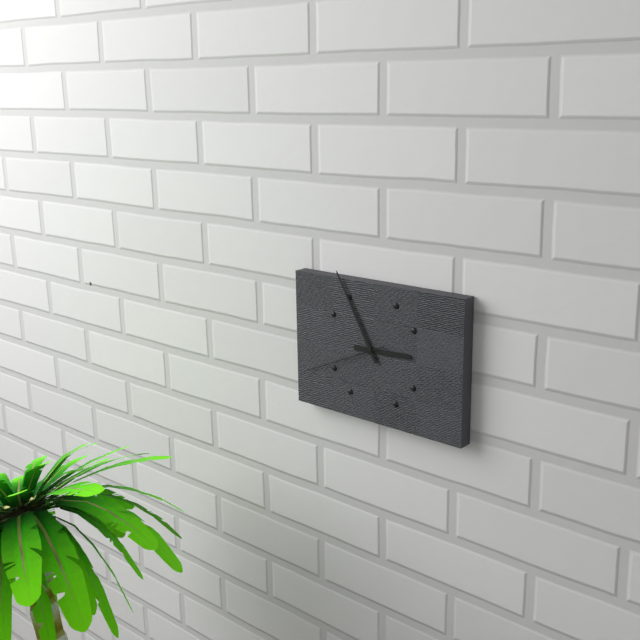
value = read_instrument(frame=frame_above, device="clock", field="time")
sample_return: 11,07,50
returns 2,55,41
